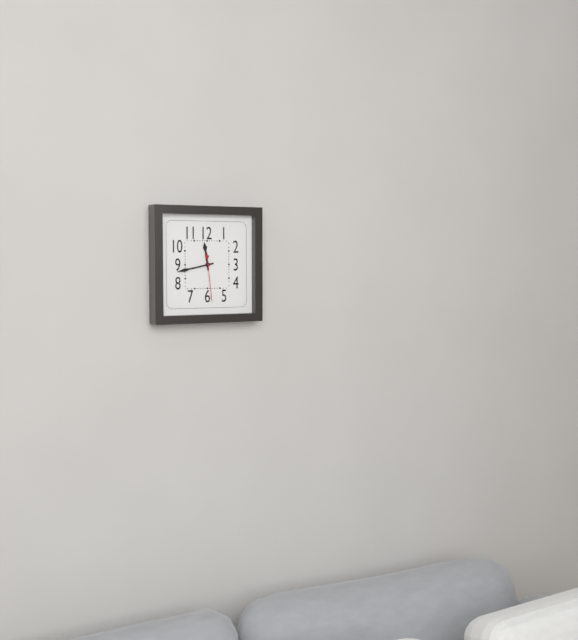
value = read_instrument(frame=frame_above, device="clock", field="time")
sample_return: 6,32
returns 11,43
